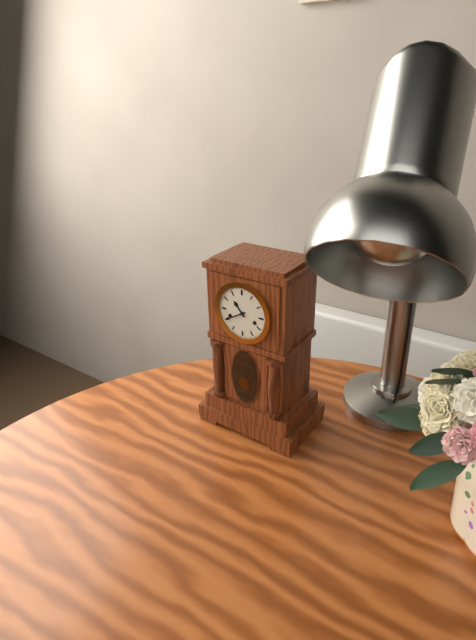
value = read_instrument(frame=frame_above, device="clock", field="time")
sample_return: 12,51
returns 10,40
